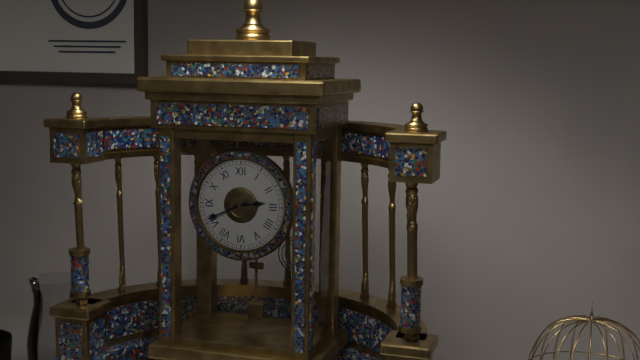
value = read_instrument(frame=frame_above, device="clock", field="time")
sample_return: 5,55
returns 2,41
